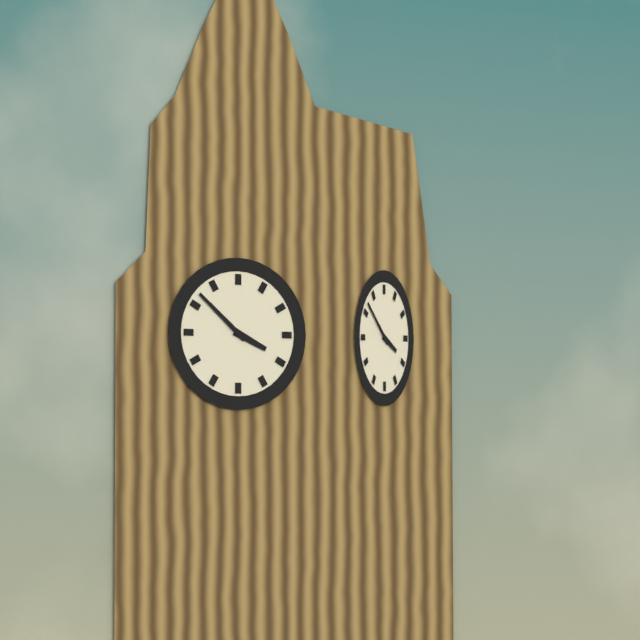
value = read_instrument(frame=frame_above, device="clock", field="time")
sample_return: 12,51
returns 3,52
